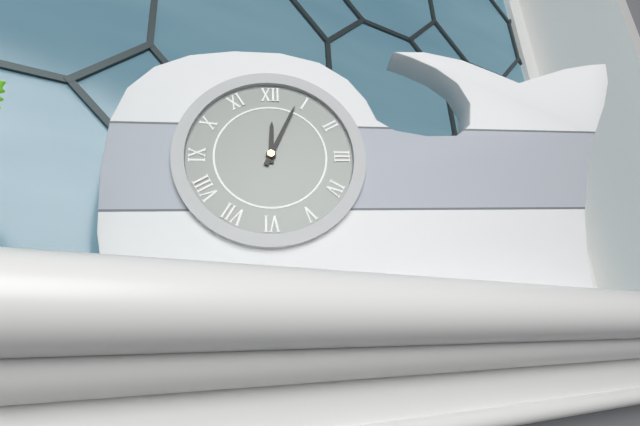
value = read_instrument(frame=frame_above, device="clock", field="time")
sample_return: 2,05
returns 12,04
